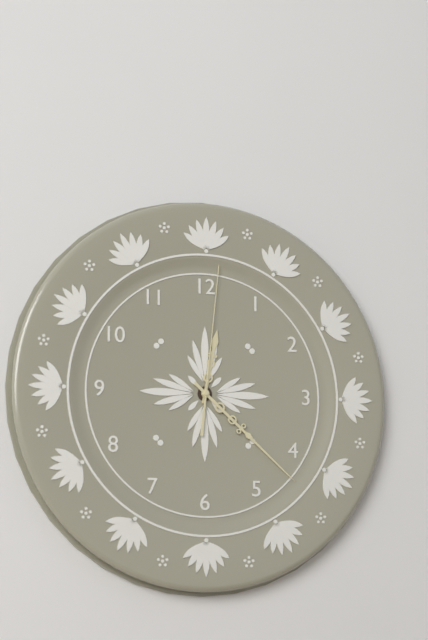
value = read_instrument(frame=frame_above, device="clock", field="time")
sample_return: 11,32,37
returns 12,22,01
